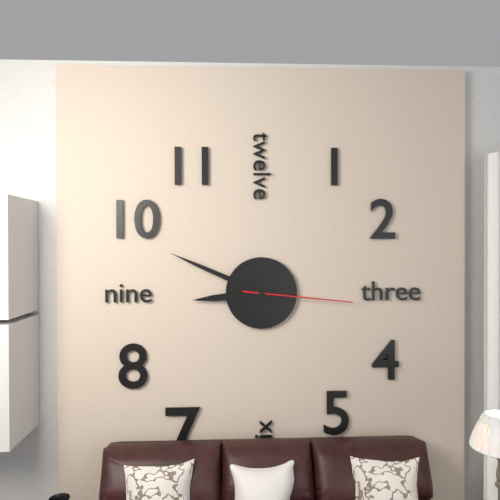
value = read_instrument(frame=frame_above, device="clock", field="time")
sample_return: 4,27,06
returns 8,49,16
